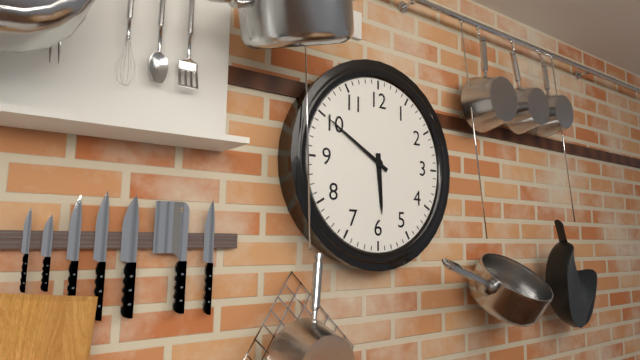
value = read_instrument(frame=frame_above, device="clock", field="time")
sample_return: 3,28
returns 5,50
